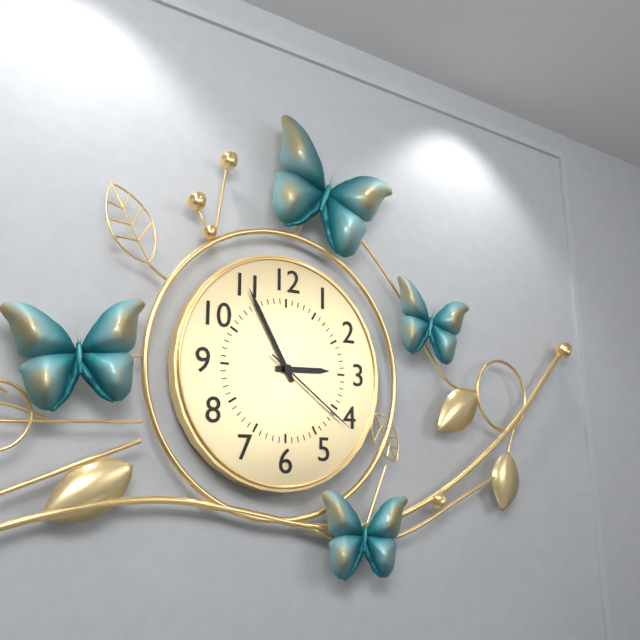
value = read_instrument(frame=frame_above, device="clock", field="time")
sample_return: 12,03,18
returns 2,55,21
